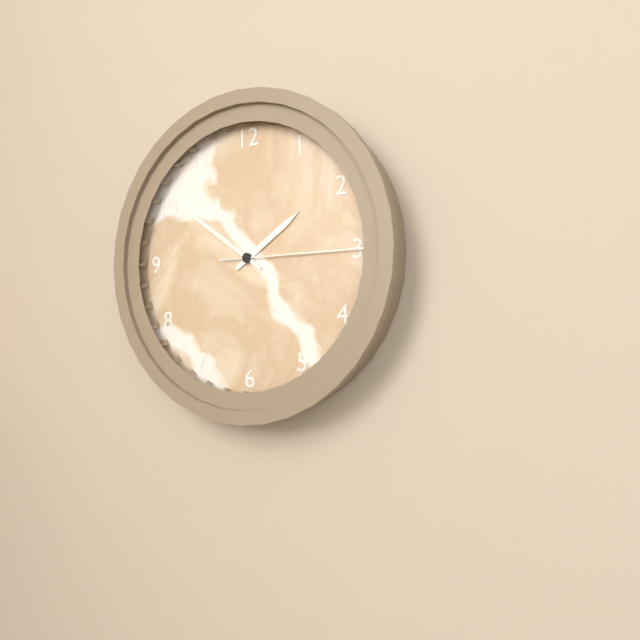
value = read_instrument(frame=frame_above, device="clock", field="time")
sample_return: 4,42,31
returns 1,51,15
